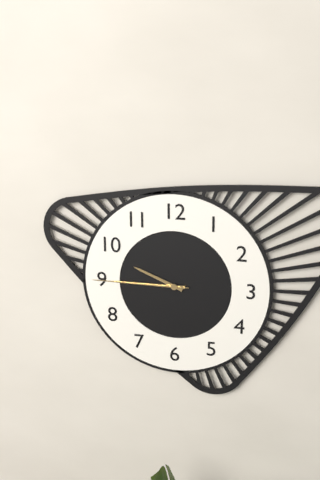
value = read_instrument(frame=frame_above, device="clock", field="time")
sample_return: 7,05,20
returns 9,45,45
